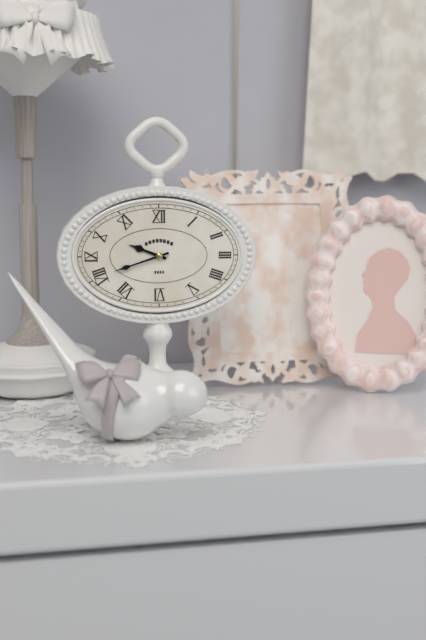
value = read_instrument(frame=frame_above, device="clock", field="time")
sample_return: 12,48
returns 9,42
